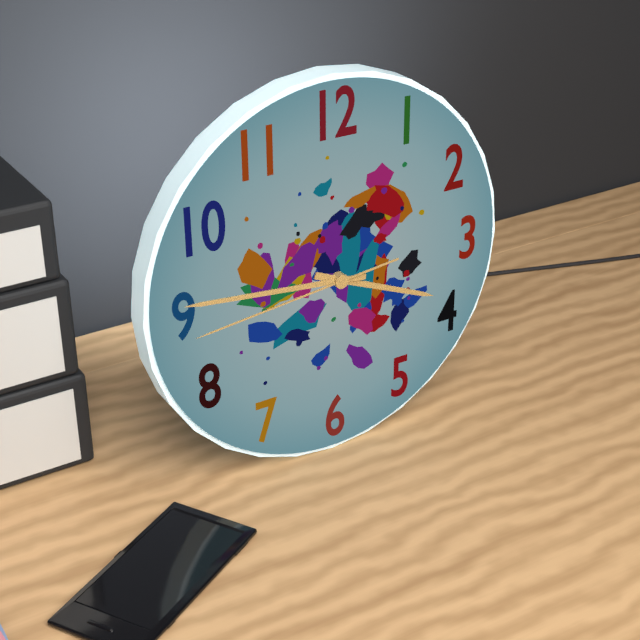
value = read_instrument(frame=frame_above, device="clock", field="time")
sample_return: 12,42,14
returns 3,46,44
